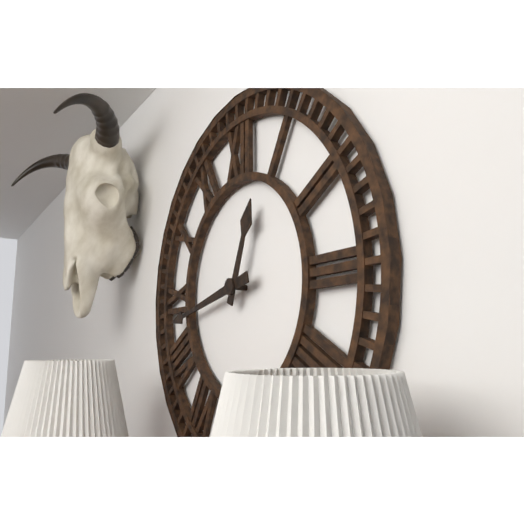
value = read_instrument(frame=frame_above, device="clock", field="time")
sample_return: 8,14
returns 12,43
